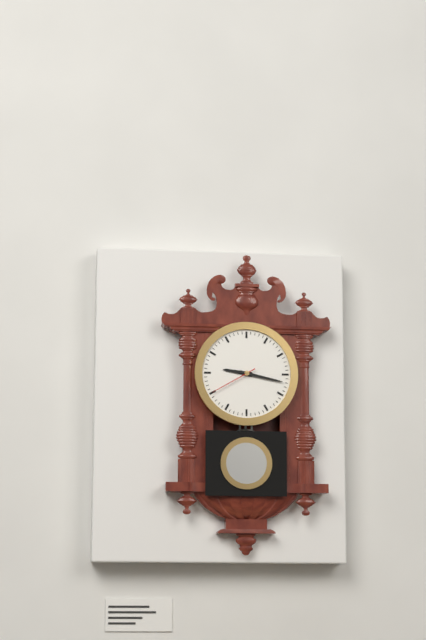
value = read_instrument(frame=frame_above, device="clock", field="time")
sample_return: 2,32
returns 9,17
